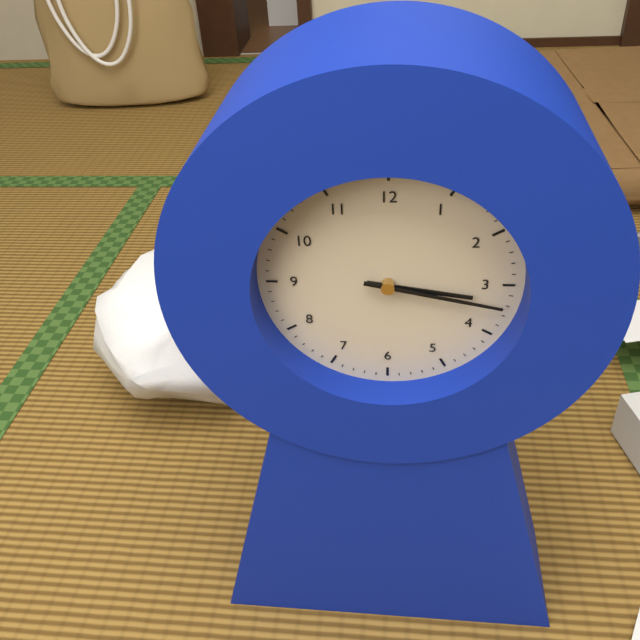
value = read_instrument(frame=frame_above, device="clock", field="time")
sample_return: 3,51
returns 3,17
